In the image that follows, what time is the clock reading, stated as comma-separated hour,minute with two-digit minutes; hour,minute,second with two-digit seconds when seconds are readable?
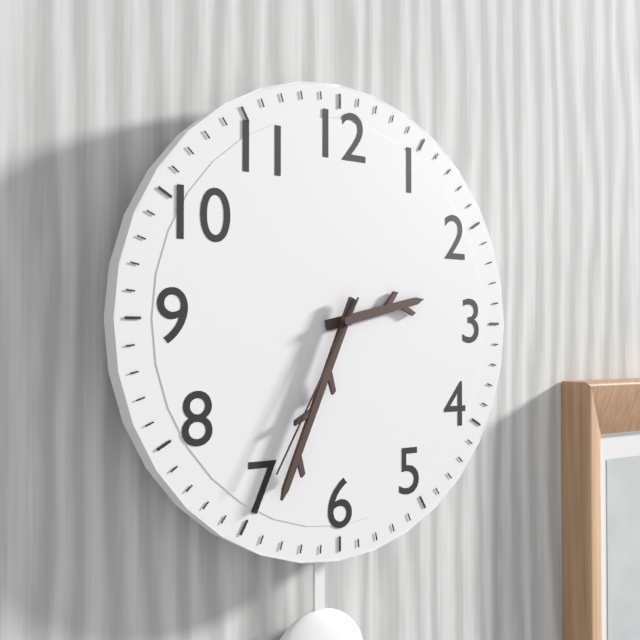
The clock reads 2,34,35
